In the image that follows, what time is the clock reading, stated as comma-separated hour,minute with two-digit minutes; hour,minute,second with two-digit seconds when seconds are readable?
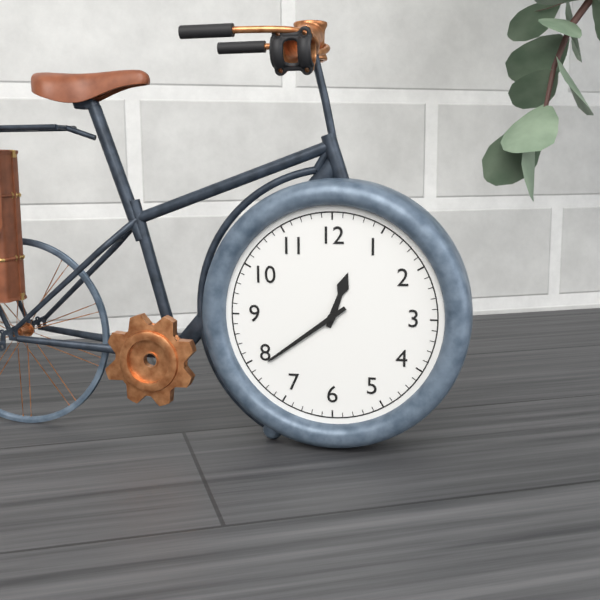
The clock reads 12,39
